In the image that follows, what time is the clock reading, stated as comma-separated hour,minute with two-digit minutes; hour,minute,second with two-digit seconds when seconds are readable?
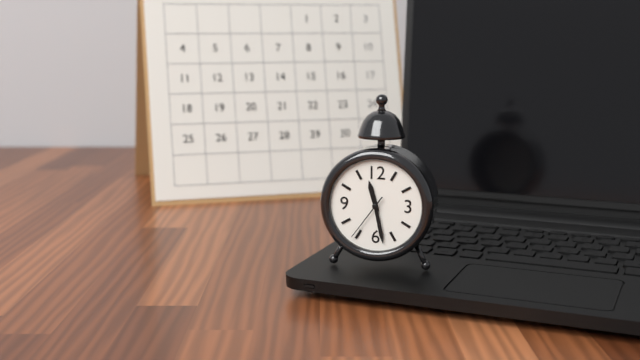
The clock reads 11,28,36
